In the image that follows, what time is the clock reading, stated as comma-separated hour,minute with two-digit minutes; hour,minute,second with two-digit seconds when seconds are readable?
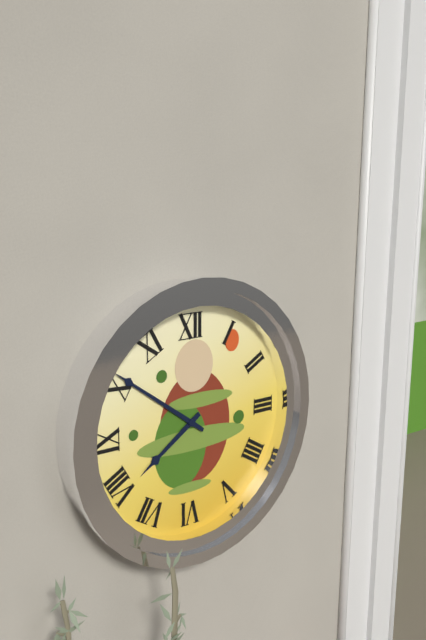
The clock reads 7,51
